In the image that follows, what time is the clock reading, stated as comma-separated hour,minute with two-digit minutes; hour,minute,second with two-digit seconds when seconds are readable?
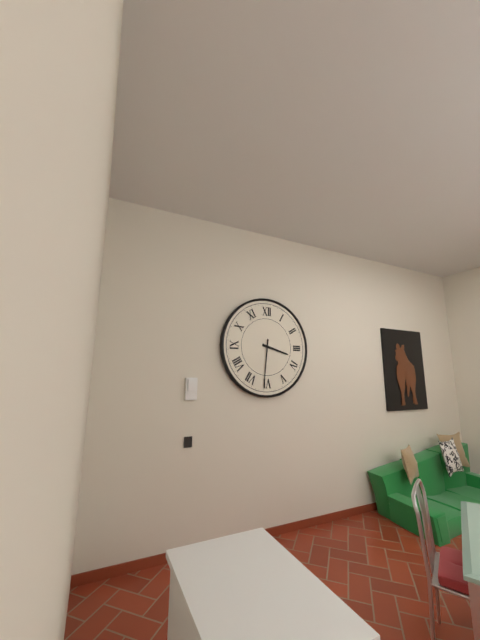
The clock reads 3,31
